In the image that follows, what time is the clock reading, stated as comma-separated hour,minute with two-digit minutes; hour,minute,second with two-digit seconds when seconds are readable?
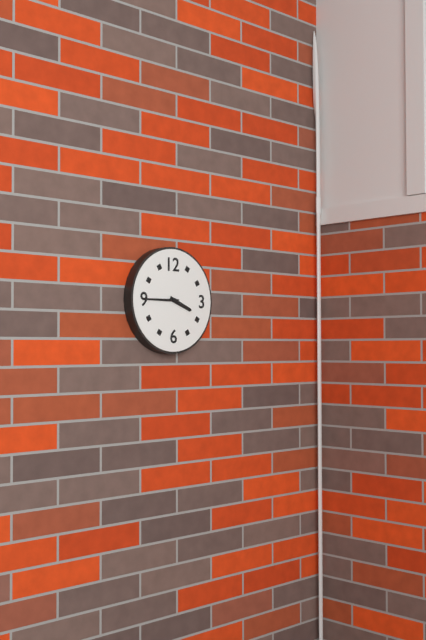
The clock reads 3,45
